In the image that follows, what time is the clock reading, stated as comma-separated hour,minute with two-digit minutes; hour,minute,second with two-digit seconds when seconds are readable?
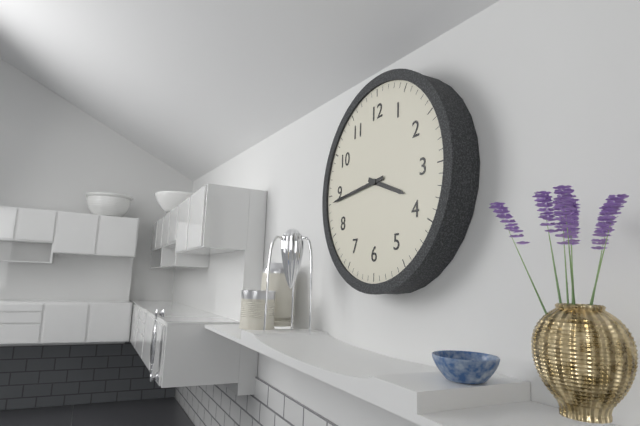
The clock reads 3,44
